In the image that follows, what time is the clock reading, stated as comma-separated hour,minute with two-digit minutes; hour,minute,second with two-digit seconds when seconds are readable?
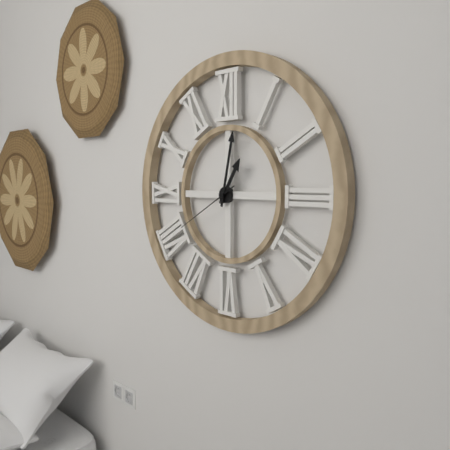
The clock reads 1,02,40
